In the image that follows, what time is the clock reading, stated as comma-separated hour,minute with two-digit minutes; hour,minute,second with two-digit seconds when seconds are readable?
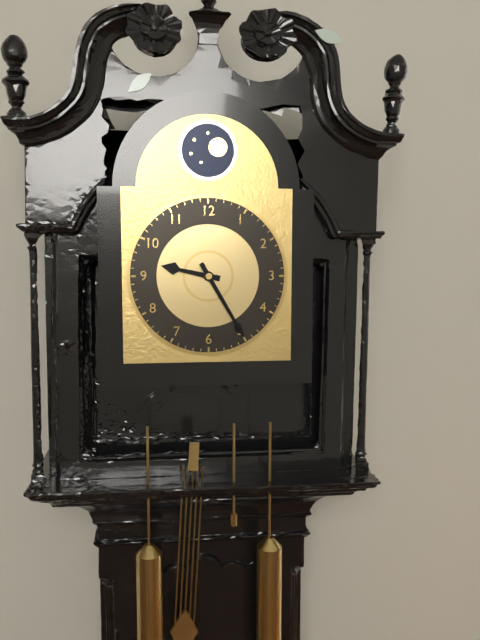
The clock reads 9,25
